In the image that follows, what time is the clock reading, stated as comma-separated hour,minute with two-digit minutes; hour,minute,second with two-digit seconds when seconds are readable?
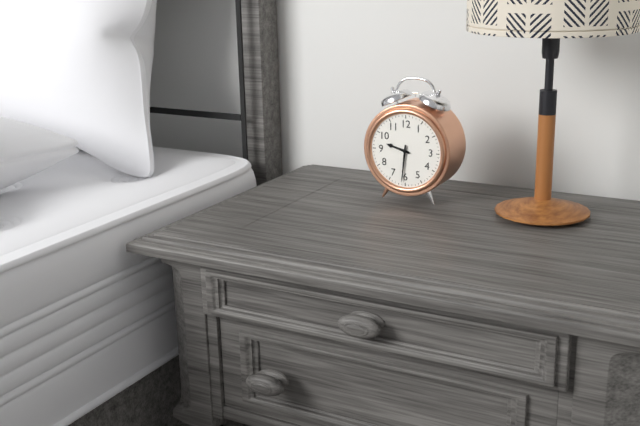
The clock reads 9,31
